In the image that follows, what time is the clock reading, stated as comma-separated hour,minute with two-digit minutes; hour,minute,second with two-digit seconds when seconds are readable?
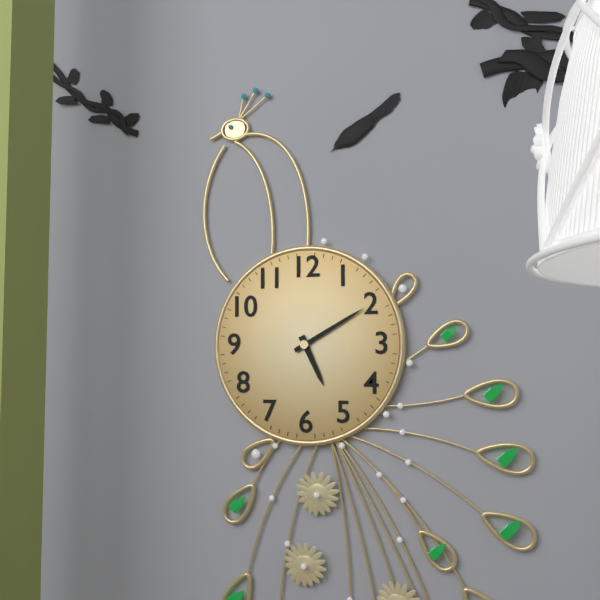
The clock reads 5,10
